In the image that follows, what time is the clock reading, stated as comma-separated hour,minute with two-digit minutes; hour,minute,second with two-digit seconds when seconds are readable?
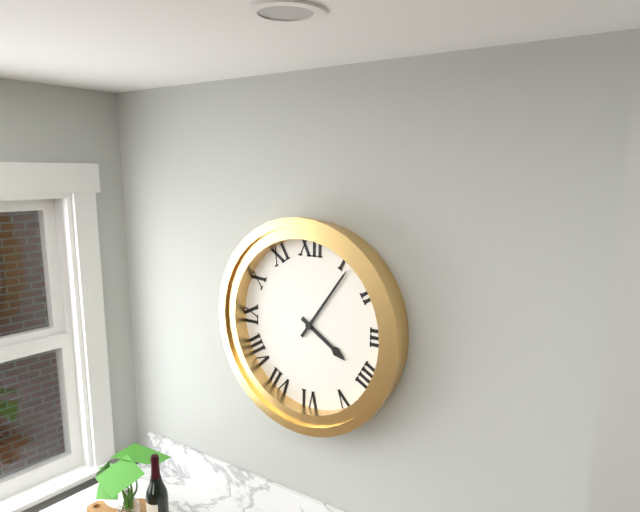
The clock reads 4,06
